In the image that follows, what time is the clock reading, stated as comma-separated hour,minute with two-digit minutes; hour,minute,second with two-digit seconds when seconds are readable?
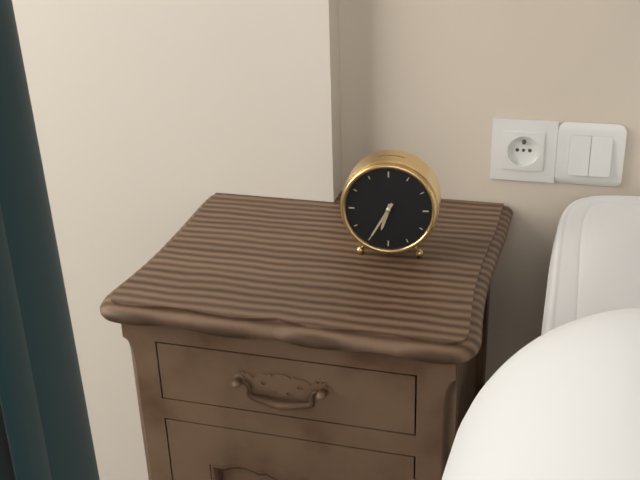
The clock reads 6,35
